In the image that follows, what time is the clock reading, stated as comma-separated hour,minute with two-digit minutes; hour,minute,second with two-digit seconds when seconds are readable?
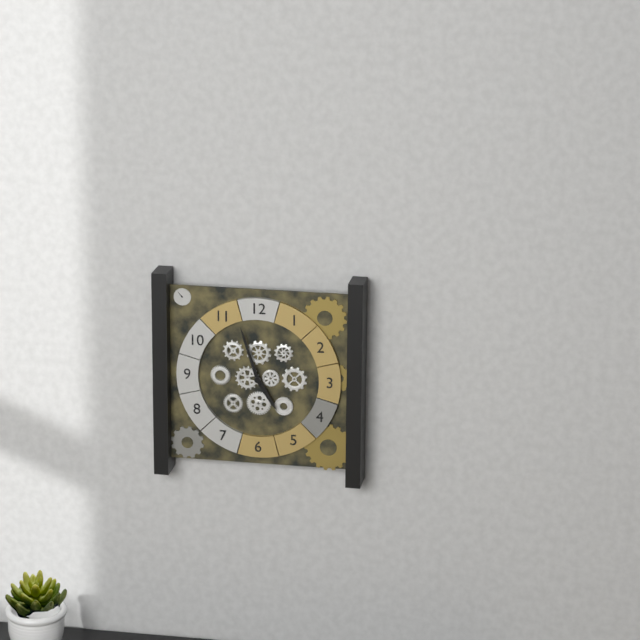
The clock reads 4,57
